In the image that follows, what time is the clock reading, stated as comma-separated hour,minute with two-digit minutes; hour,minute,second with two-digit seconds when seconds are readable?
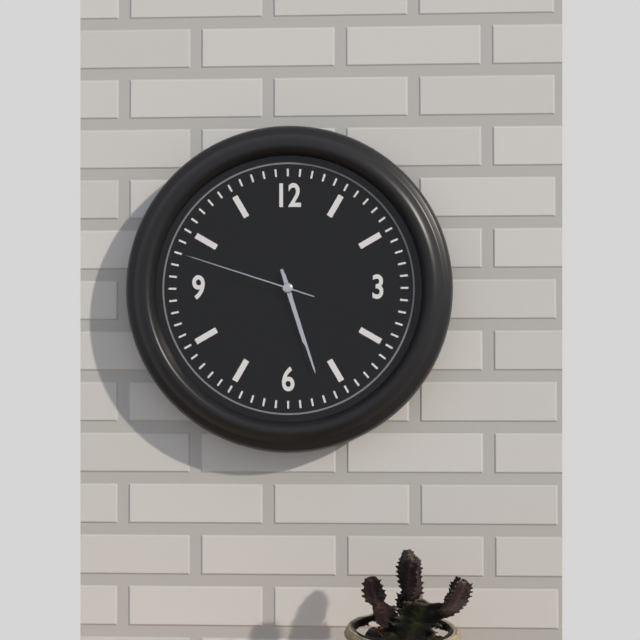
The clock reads 5,27,48
